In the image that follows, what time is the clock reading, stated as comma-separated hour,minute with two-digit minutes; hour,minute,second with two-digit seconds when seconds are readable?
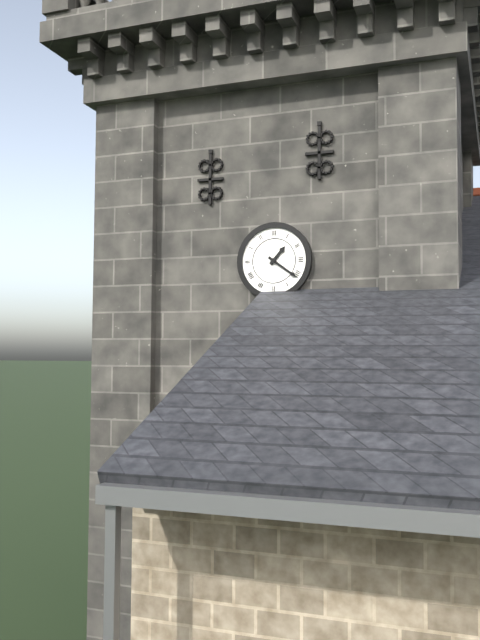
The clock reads 1,21
